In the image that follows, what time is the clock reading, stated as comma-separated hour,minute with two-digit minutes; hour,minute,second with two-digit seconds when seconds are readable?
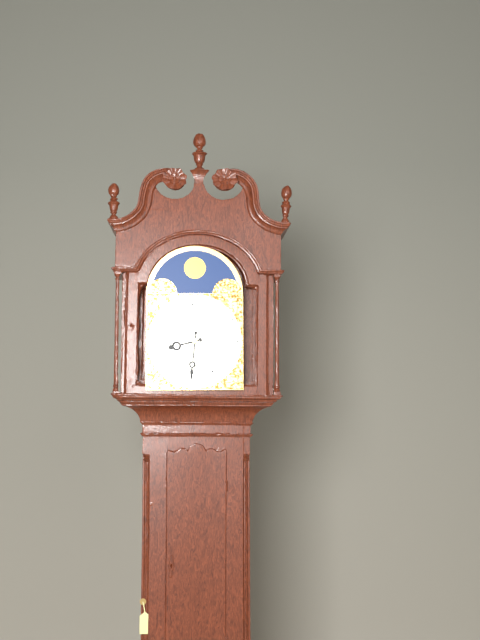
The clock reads 8,31
